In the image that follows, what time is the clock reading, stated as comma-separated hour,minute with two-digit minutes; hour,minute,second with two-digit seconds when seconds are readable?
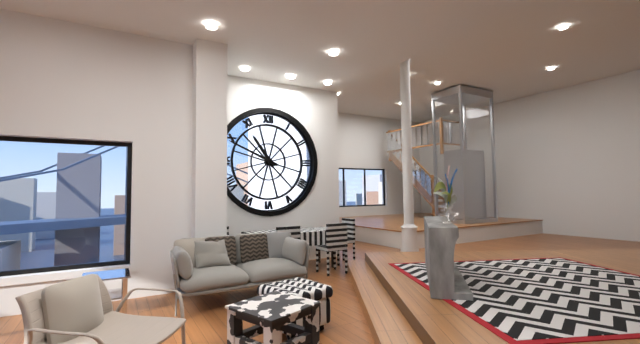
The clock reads 10,49
